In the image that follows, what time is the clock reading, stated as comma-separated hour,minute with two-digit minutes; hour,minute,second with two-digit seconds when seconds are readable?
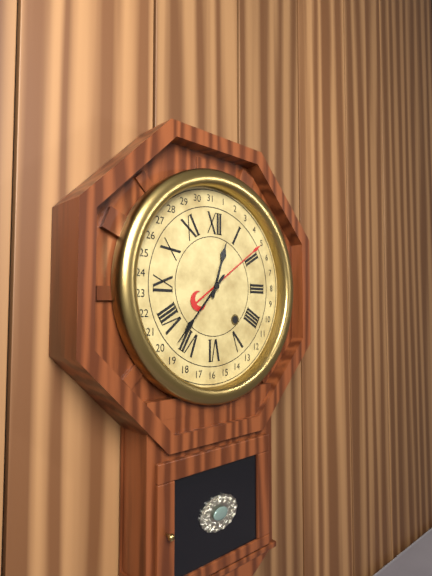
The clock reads 12,37
